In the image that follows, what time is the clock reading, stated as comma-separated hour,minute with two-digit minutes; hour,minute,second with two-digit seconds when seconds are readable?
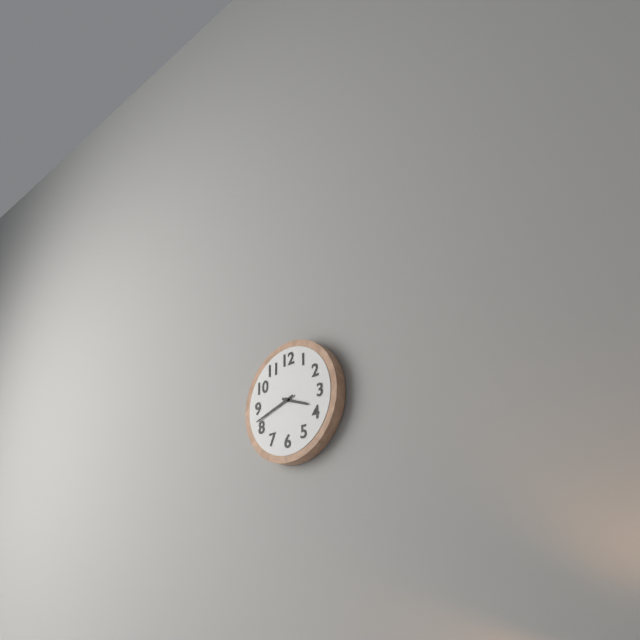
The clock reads 3,42
